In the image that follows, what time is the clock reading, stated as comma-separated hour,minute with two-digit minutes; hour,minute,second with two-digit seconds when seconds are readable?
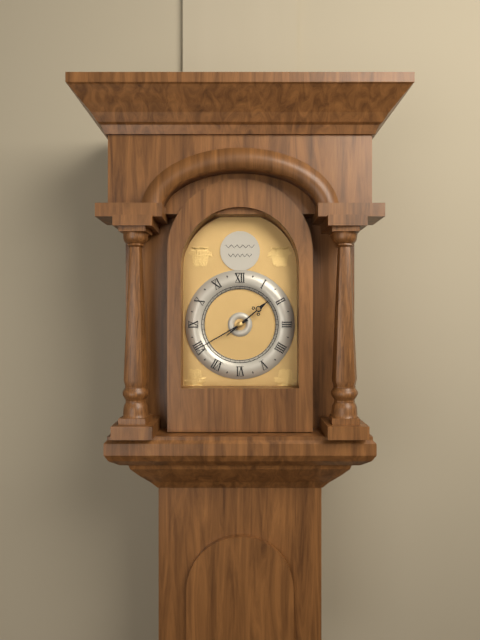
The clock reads 1,40
